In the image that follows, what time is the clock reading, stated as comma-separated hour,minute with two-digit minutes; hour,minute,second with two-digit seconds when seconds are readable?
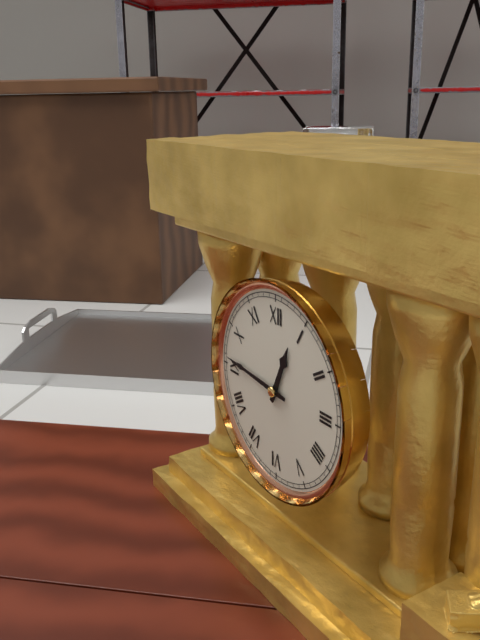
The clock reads 12,46
